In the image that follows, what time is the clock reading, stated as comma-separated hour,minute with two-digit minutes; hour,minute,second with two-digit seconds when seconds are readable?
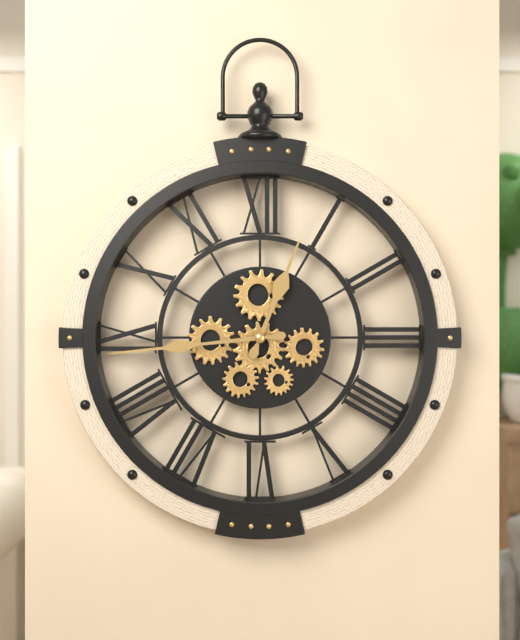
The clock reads 12,44
